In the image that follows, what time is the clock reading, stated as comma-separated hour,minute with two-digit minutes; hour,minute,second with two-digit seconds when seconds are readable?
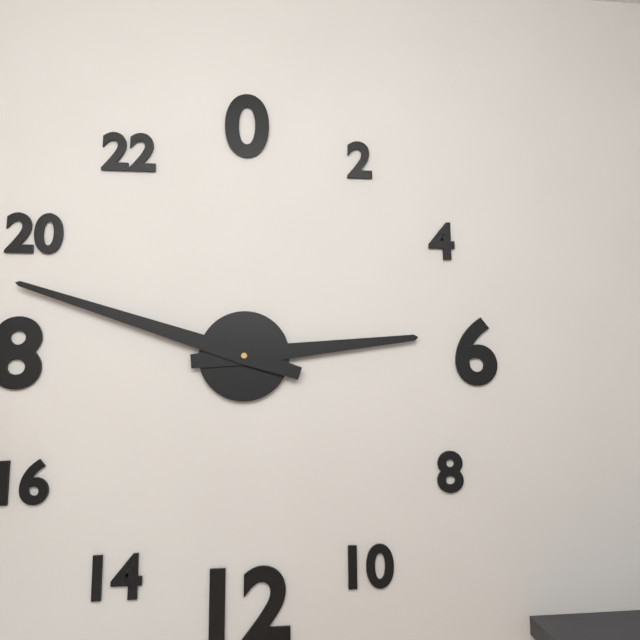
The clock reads 2,48
